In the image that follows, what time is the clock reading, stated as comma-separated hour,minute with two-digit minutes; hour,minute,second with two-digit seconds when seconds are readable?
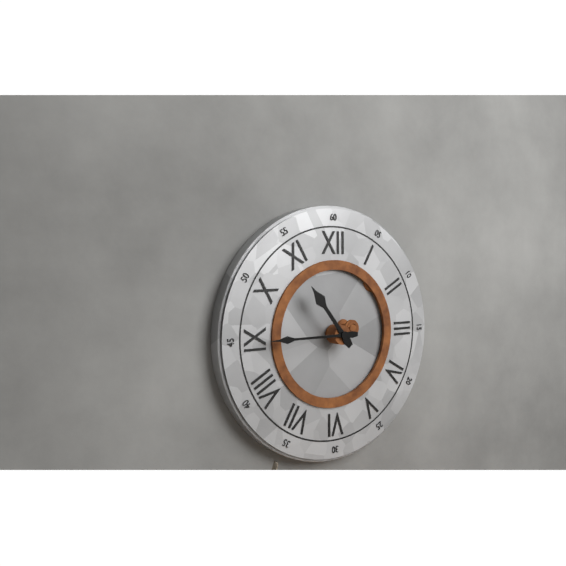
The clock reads 10,45
